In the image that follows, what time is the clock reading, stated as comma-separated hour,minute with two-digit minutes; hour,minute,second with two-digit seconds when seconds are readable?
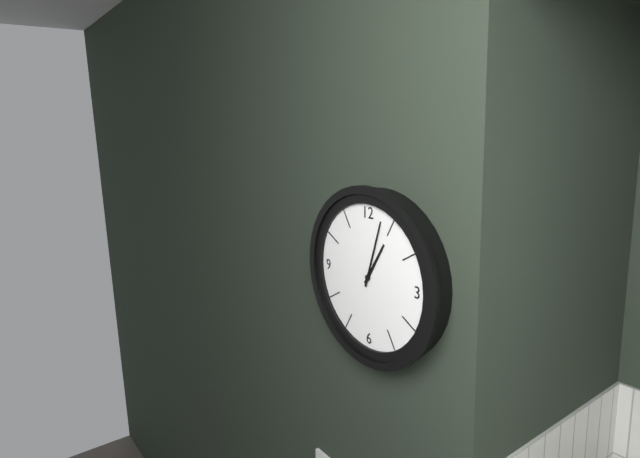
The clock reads 1,03
